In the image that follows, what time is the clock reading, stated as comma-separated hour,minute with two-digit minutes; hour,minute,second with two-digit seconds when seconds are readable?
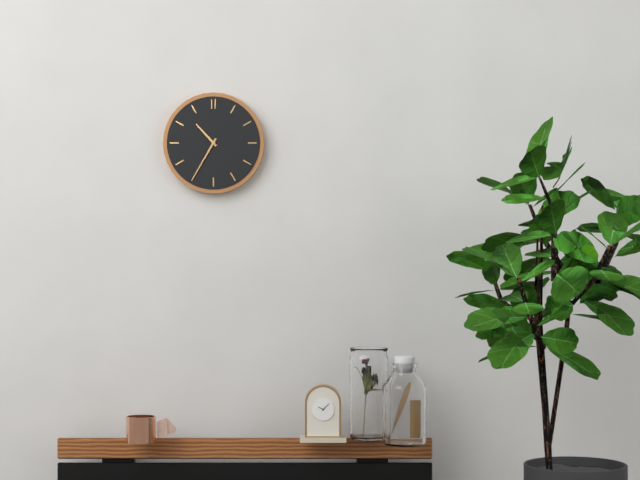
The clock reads 10,35
